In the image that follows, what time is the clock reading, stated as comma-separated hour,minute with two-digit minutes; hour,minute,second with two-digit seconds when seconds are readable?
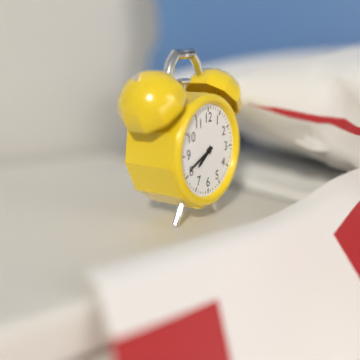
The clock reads 7,41
